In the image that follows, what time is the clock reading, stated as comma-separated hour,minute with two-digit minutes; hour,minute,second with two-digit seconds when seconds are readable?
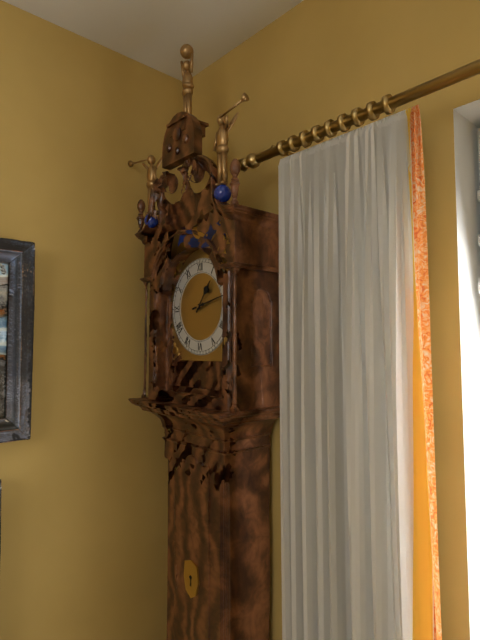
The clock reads 1,13
